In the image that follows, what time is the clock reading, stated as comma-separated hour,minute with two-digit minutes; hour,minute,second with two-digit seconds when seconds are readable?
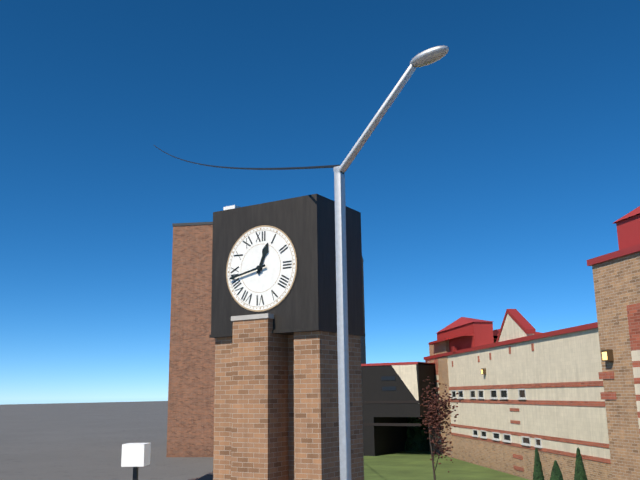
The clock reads 12,43
